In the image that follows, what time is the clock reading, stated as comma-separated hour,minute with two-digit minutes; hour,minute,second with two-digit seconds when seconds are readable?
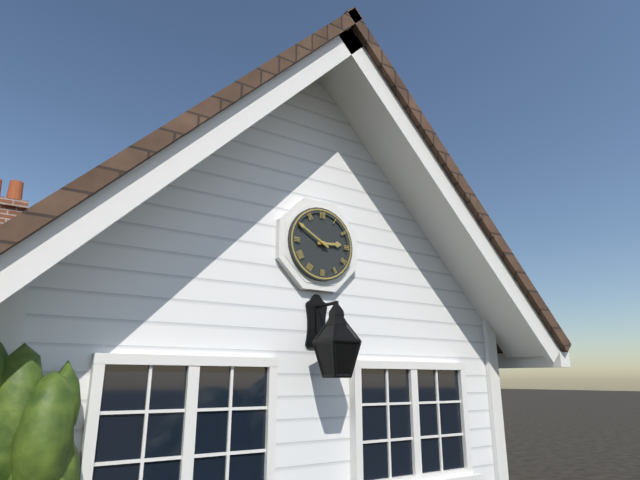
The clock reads 2,50
